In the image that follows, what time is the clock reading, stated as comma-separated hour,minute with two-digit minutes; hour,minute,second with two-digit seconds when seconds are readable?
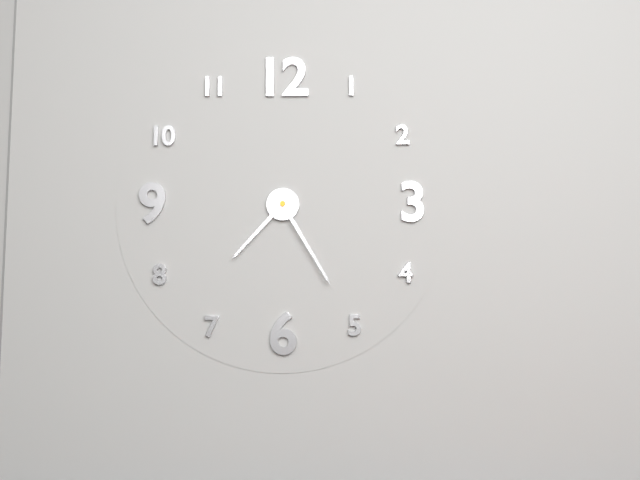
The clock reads 7,25
